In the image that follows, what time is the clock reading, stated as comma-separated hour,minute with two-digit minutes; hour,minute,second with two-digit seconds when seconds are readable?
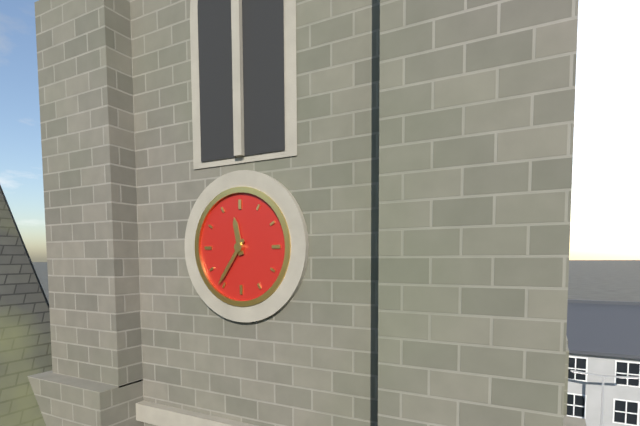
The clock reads 11,36
